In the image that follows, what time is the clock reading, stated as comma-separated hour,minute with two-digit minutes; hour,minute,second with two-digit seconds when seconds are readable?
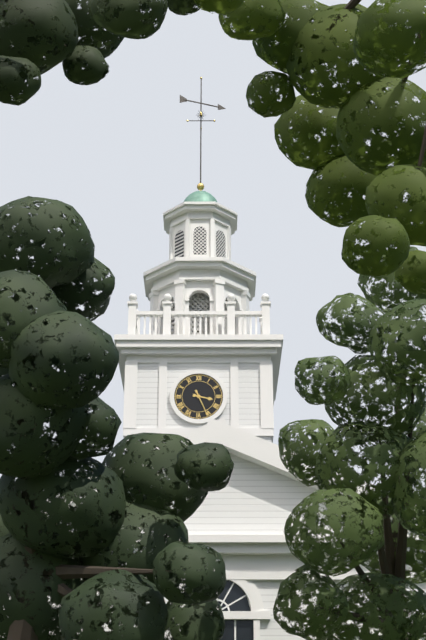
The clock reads 3,26
